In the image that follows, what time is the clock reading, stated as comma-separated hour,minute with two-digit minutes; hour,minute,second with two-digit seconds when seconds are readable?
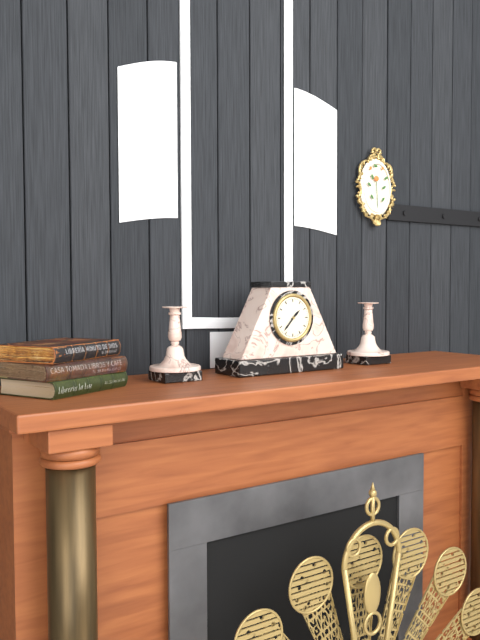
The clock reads 1,37
